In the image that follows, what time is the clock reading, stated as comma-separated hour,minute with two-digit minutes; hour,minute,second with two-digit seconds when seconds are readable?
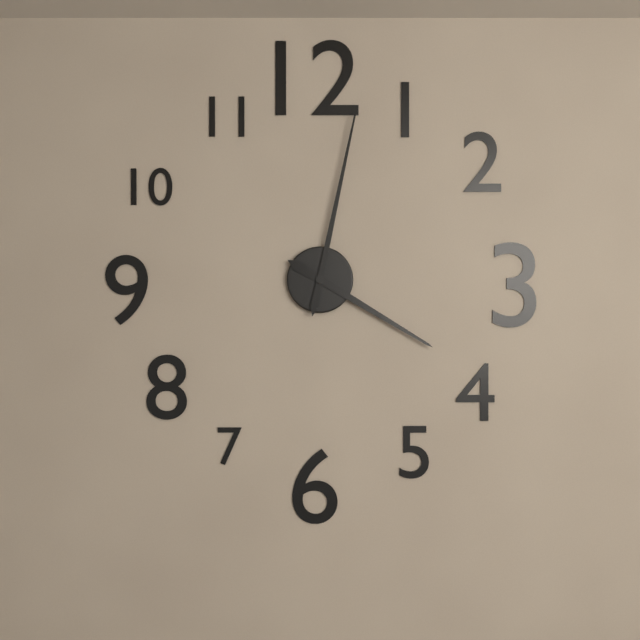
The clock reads 4,02
